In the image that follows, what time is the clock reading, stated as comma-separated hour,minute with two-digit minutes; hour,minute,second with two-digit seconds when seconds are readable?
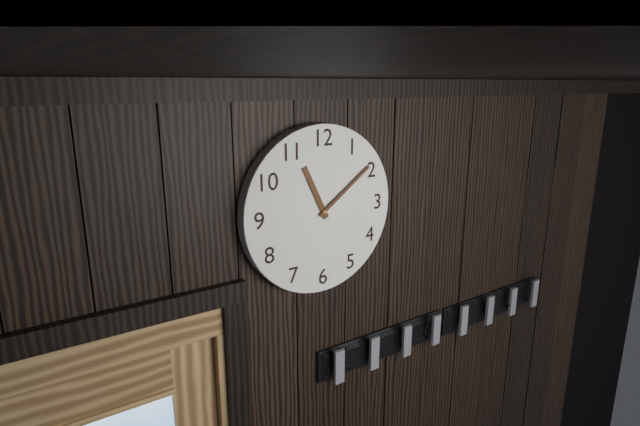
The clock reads 11,09
